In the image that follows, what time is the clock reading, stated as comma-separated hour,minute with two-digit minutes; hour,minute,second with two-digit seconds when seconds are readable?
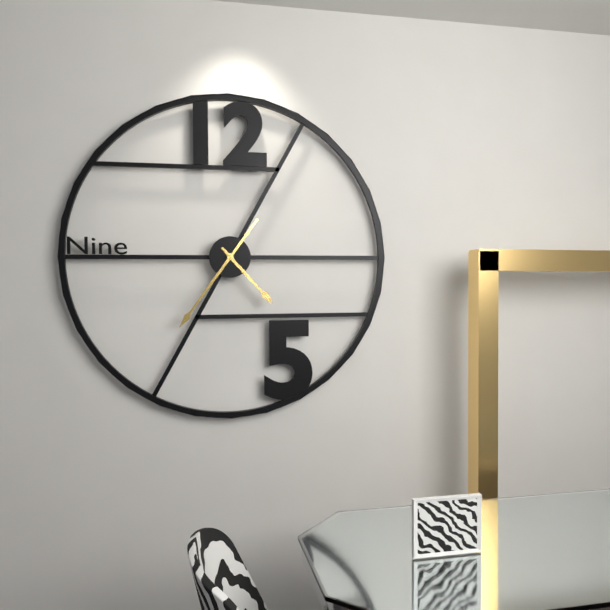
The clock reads 4,36
